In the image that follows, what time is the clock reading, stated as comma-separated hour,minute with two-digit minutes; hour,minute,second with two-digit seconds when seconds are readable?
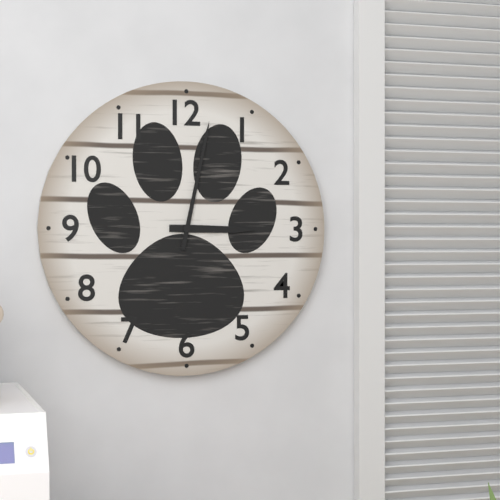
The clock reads 3,02
